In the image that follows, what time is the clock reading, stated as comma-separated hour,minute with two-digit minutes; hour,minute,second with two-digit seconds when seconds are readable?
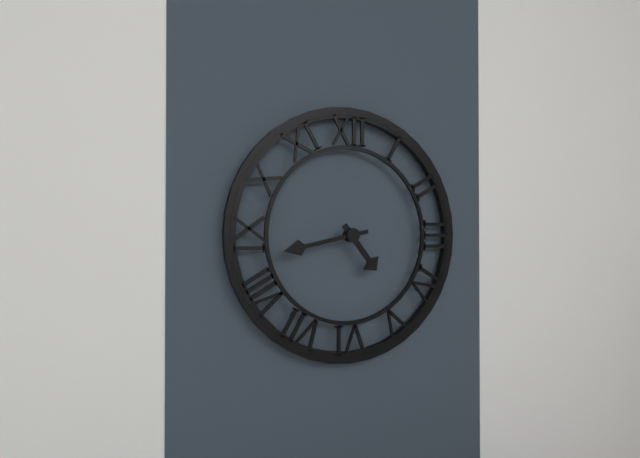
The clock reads 4,43
